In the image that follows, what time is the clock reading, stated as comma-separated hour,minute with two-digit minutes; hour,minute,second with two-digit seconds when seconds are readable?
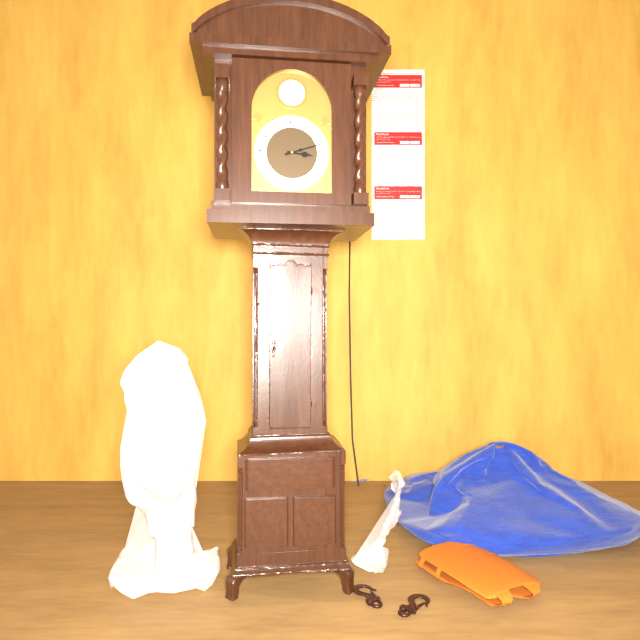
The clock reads 3,12
